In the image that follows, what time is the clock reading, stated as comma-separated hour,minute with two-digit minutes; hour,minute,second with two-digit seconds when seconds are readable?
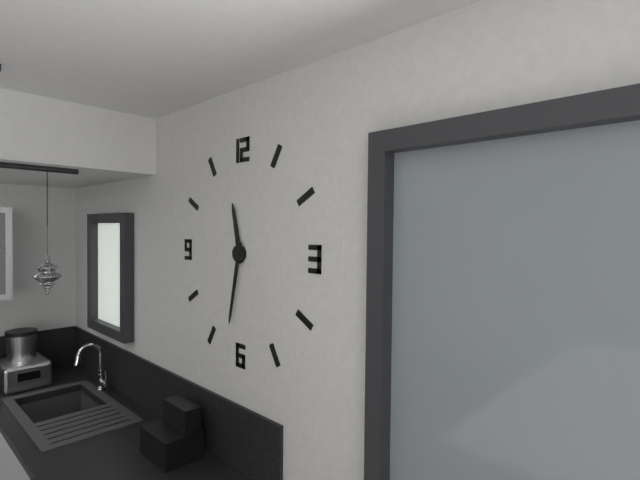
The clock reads 11,32
